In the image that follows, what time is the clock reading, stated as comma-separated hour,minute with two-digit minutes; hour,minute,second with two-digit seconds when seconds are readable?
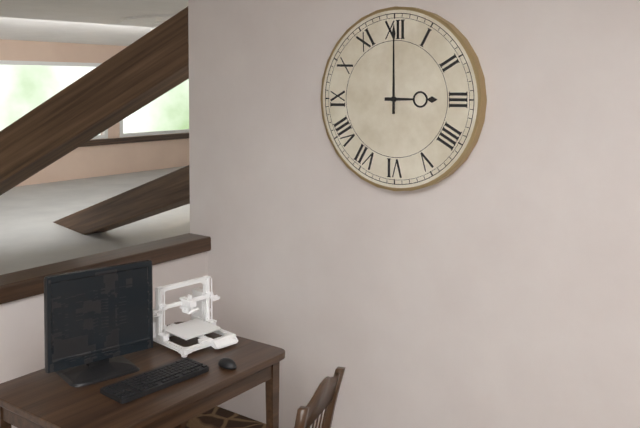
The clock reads 3,00
